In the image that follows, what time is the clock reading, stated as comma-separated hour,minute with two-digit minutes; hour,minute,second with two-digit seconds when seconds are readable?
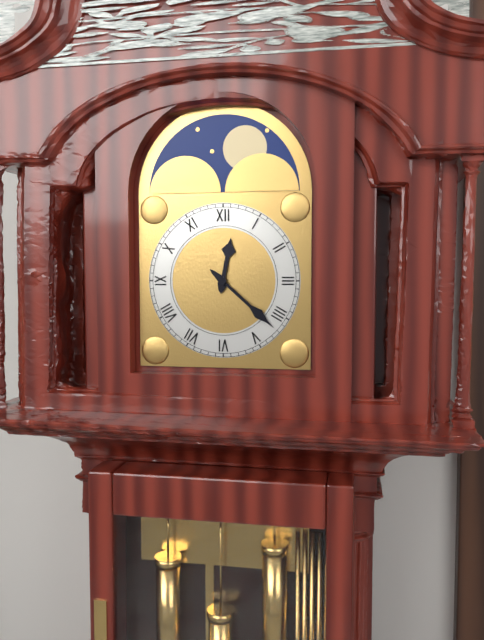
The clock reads 12,22
